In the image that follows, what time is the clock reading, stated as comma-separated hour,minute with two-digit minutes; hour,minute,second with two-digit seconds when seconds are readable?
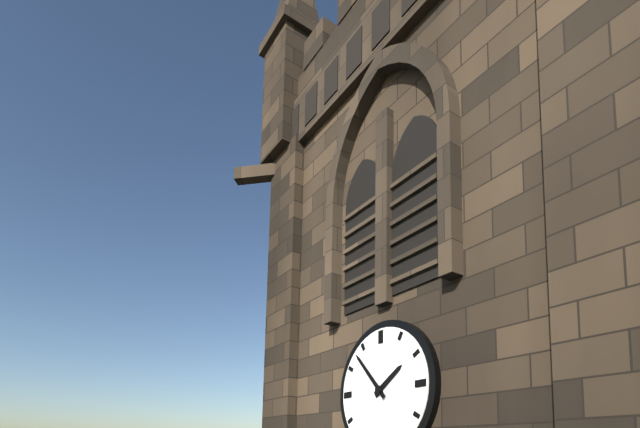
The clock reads 1,53
